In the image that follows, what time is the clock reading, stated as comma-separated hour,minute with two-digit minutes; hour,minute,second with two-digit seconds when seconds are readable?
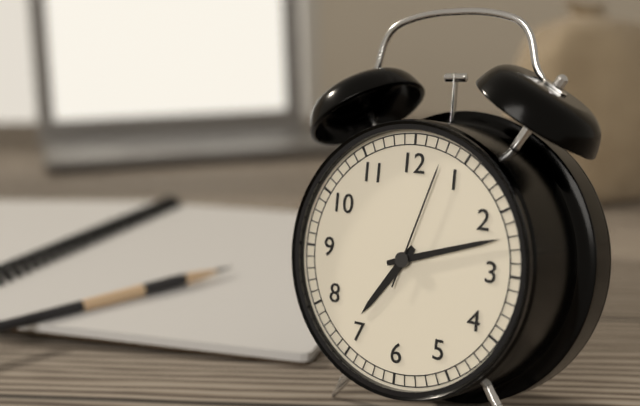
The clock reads 7,12,03
